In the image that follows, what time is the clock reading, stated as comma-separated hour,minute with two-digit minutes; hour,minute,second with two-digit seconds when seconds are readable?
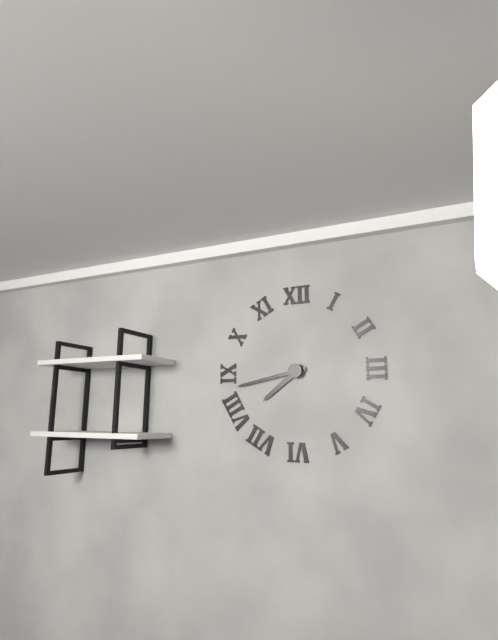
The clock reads 7,43
